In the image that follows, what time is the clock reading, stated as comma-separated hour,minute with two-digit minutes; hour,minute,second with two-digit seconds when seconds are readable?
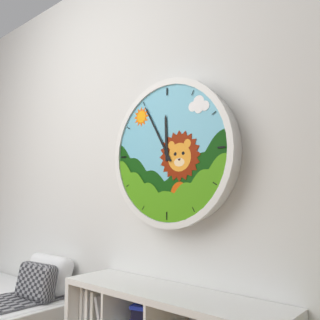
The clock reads 11,55
